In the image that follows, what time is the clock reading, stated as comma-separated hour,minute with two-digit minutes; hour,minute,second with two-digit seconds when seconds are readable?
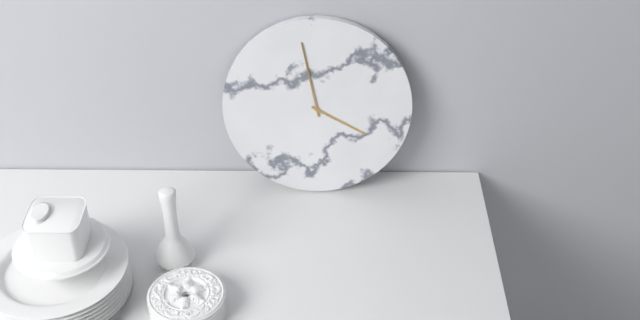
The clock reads 3,58
